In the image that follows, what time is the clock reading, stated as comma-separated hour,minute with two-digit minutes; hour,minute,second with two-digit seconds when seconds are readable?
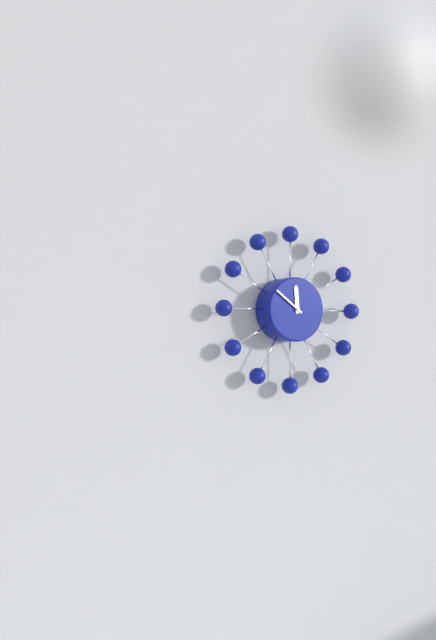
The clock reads 11,51
